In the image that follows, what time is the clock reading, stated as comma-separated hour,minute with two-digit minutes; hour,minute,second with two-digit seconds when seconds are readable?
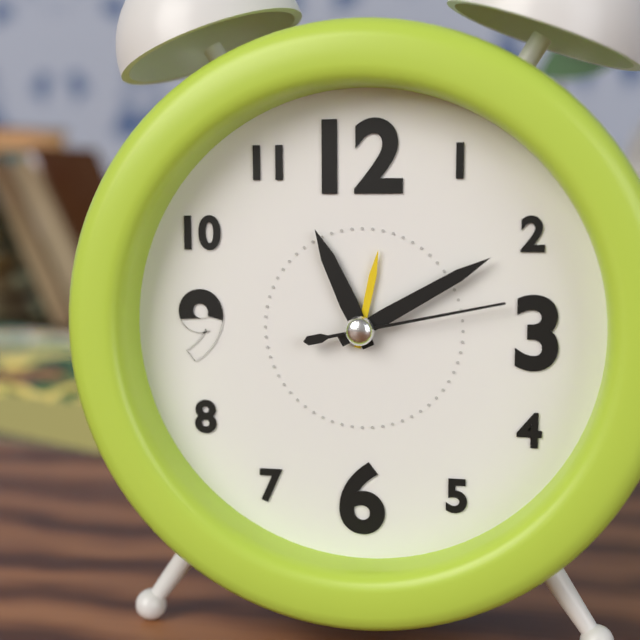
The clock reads 11,10,13
